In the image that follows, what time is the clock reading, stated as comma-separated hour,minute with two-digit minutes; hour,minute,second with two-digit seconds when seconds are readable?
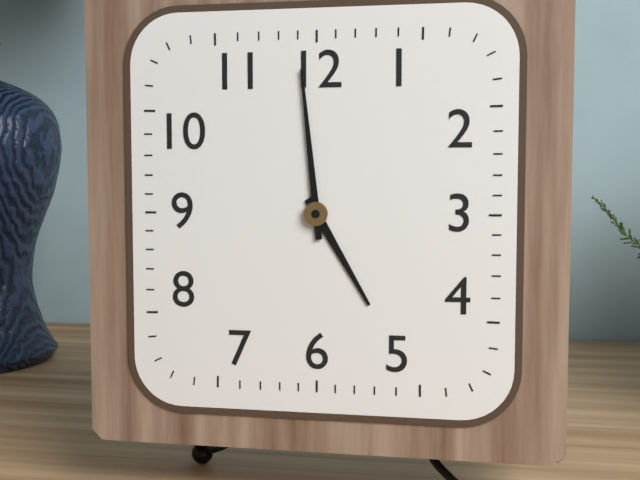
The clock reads 4,59
